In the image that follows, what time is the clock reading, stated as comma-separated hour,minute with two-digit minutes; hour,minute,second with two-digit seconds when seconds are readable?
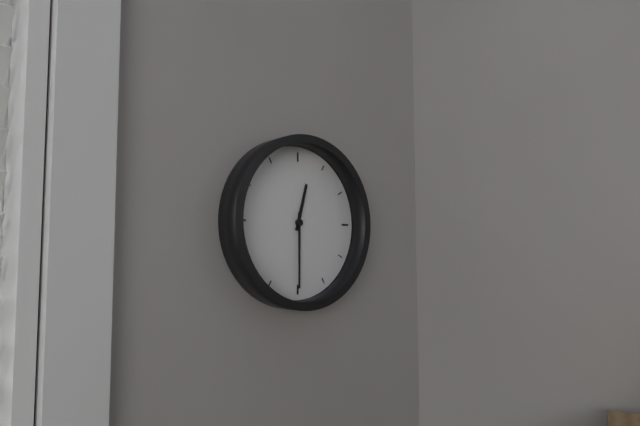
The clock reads 12,30
